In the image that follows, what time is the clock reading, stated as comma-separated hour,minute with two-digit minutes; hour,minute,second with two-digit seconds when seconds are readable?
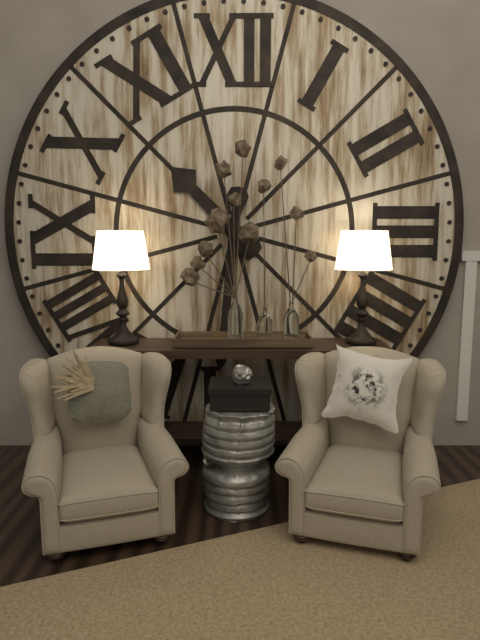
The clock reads 10,31
